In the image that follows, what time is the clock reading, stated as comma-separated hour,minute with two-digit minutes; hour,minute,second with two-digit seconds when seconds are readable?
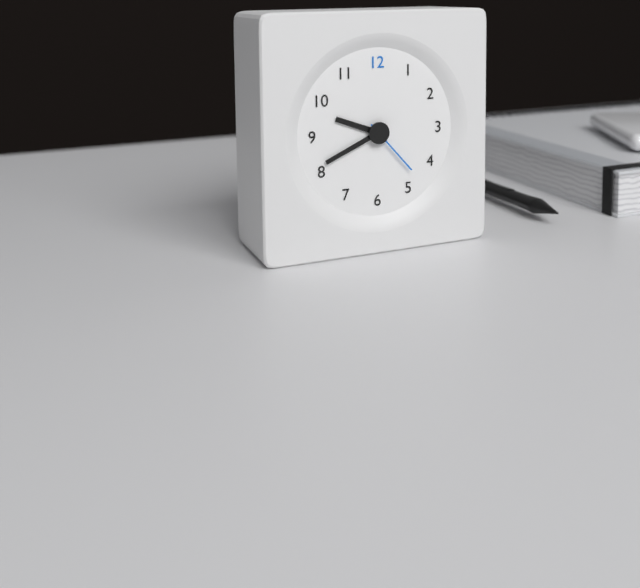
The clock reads 9,41,23
